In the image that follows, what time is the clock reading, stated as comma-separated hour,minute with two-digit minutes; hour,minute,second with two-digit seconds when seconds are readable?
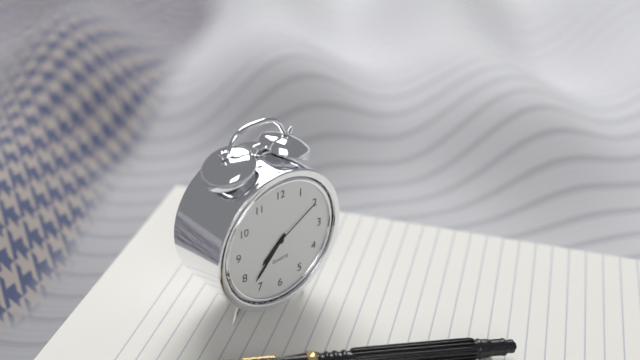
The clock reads 7,37,10
